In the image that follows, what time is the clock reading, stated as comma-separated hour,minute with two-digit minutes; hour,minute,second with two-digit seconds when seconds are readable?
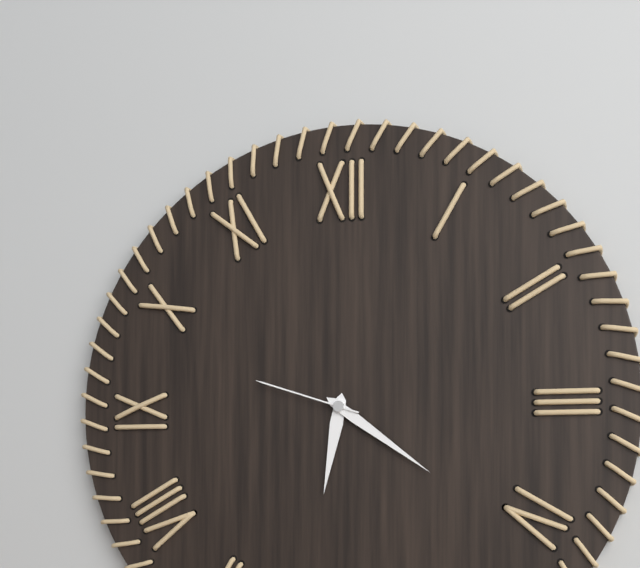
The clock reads 6,21,48
